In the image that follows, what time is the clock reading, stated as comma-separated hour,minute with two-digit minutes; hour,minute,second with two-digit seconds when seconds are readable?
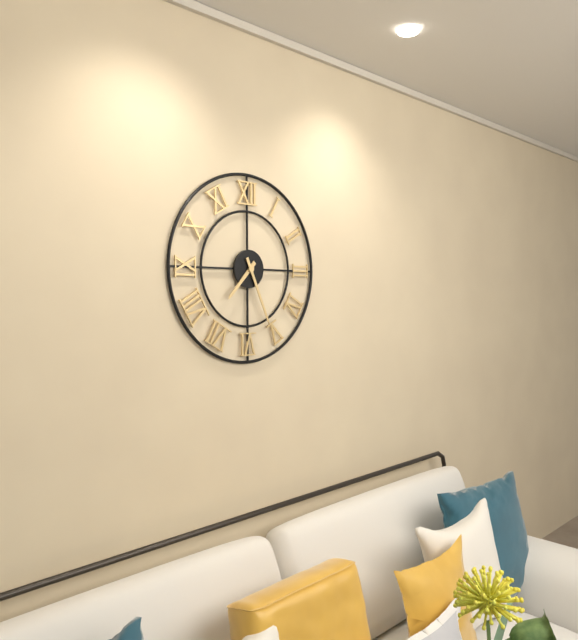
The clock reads 7,26
